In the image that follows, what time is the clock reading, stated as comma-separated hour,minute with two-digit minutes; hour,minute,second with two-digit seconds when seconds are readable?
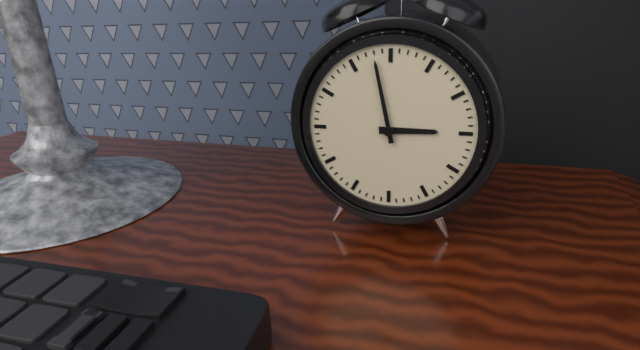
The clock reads 2,58
